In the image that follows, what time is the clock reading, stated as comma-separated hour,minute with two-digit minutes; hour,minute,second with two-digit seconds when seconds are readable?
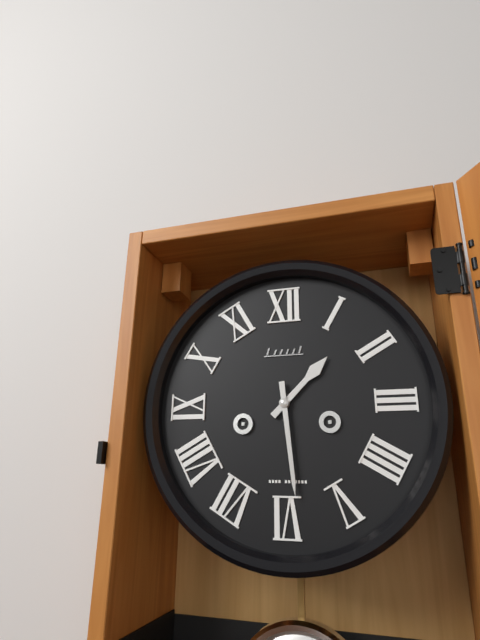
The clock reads 1,29
